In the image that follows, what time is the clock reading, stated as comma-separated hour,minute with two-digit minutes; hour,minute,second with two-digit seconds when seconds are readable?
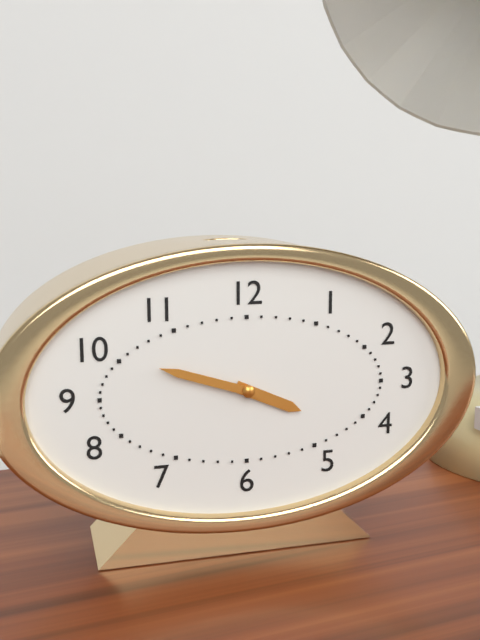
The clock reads 3,48
